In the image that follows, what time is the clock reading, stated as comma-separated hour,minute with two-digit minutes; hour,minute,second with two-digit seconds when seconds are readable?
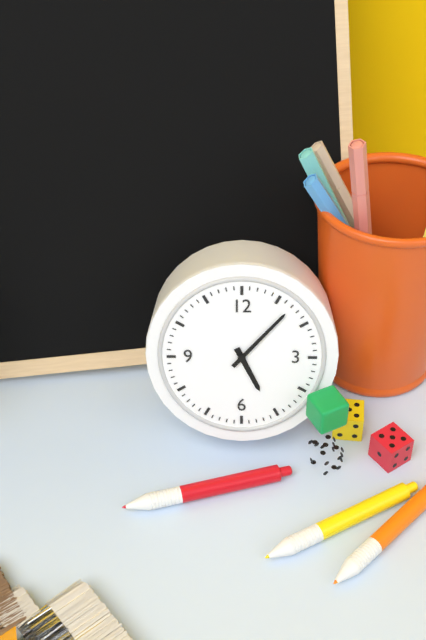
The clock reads 5,07
